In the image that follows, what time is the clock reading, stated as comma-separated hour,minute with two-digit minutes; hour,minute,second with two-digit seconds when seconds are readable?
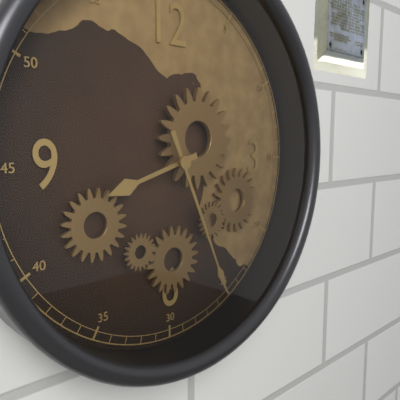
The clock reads 8,26
